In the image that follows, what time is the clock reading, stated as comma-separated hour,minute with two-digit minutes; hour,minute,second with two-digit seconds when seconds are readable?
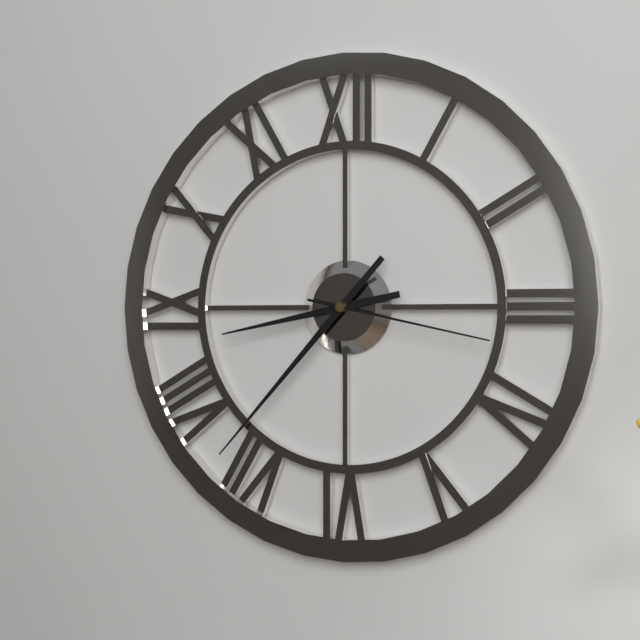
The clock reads 8,37,17
